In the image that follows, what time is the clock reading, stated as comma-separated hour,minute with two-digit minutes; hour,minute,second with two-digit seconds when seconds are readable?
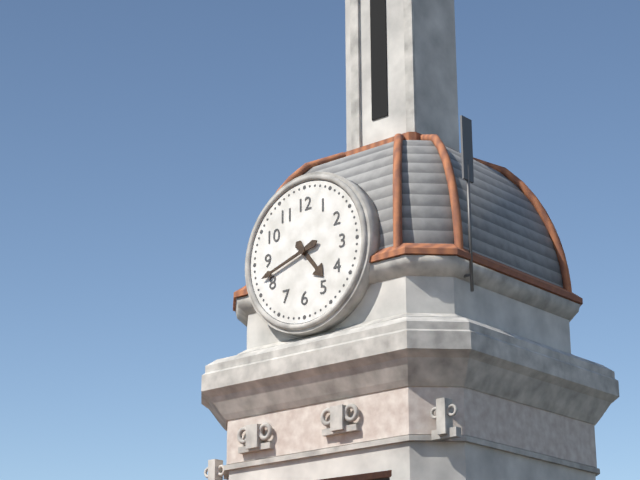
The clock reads 4,42
